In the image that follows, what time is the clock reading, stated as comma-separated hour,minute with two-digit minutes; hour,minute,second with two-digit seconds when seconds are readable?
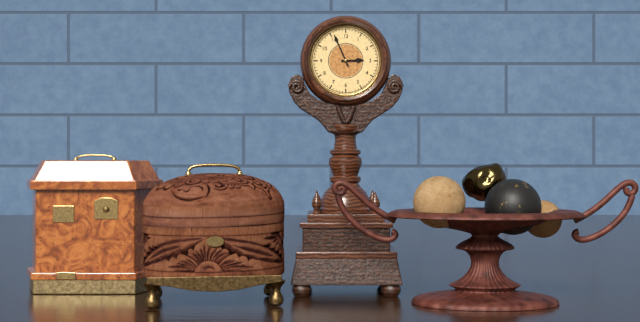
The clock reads 2,56
